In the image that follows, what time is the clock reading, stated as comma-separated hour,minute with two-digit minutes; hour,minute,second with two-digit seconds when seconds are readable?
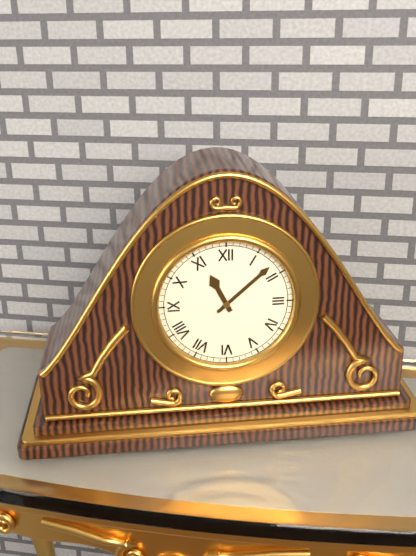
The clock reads 11,08
